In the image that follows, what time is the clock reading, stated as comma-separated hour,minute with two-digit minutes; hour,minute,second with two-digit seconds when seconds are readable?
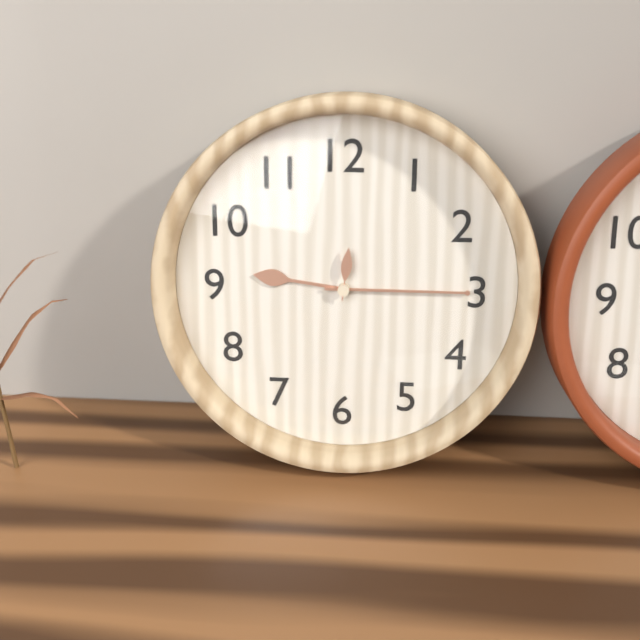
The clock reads 9,15,01
